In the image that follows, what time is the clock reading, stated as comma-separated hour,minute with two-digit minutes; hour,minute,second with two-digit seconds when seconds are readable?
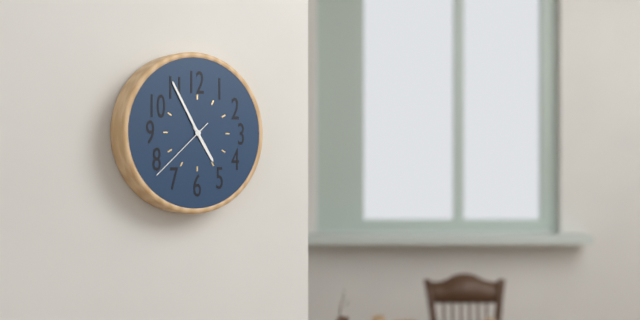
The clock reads 4,55,38
